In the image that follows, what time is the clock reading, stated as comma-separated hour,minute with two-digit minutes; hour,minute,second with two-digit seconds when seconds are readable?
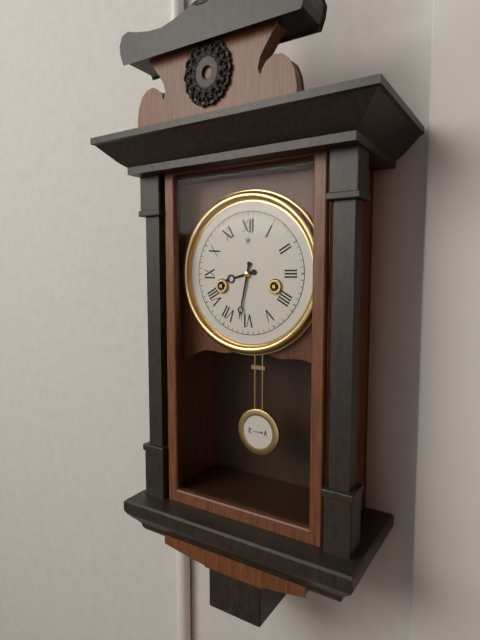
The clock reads 8,32
